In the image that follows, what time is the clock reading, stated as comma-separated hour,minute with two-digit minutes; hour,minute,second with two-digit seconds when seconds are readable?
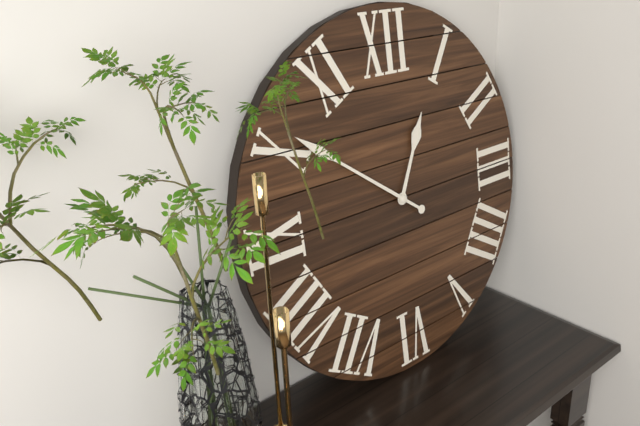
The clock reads 12,51
